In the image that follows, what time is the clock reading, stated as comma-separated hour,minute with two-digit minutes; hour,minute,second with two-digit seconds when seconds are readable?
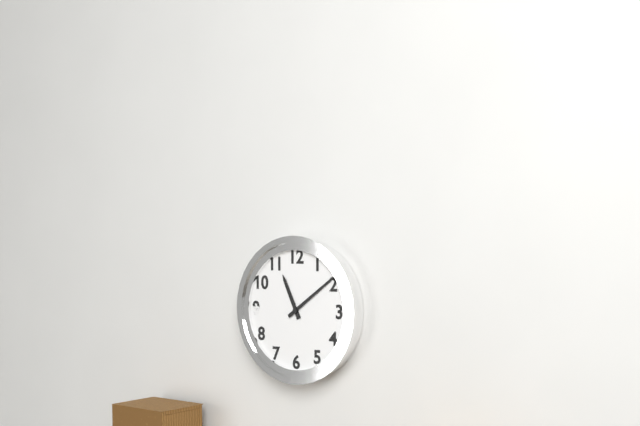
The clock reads 11,09
